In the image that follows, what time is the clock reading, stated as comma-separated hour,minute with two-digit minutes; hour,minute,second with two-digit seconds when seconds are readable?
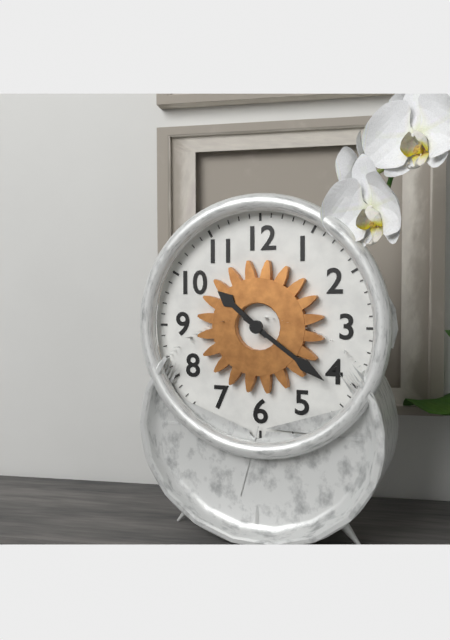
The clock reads 10,21
